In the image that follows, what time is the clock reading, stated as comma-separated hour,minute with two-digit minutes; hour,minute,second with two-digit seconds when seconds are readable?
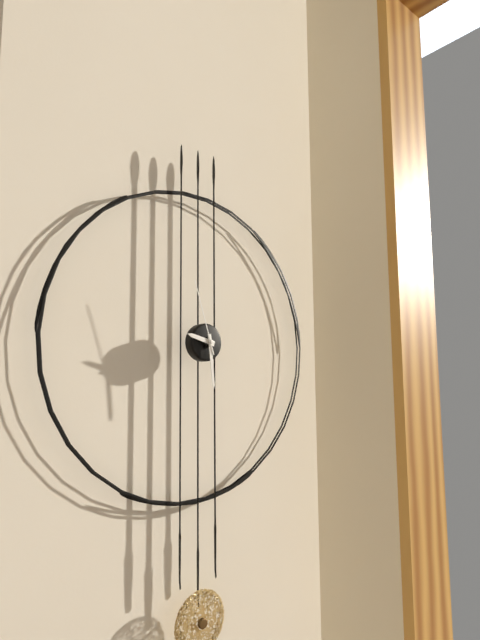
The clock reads 9,29,57
